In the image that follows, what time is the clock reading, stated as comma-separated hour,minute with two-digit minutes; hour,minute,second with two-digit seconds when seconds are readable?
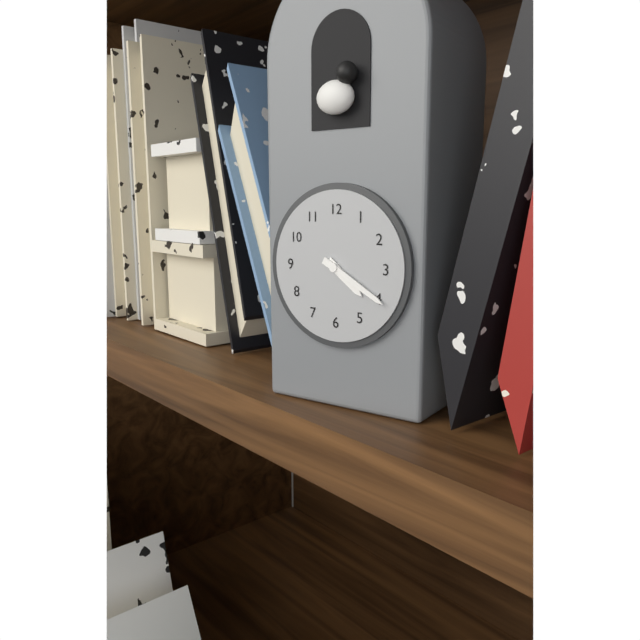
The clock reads 4,20
